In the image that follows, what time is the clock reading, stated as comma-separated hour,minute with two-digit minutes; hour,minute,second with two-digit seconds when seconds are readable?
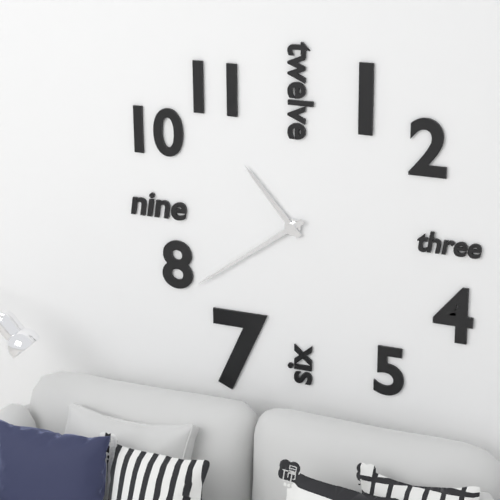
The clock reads 10,39
